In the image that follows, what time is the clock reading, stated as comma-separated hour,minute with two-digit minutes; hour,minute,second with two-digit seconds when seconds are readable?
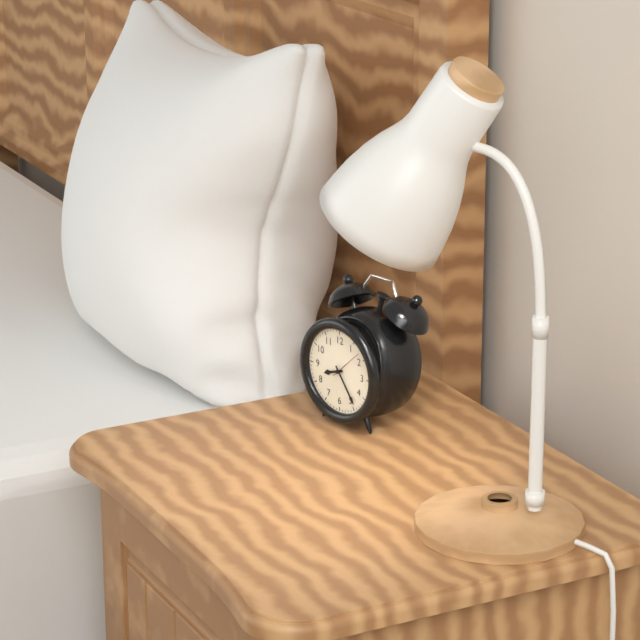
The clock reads 8,24
